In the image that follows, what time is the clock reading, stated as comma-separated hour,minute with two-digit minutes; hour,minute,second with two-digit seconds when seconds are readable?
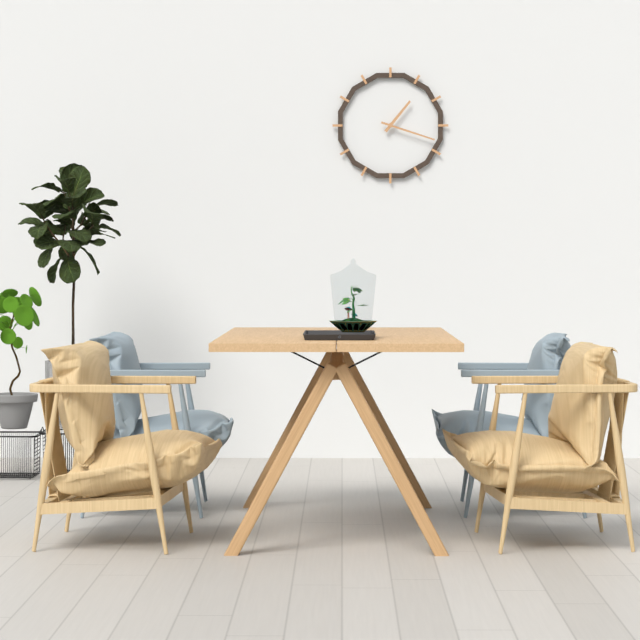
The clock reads 1,18
